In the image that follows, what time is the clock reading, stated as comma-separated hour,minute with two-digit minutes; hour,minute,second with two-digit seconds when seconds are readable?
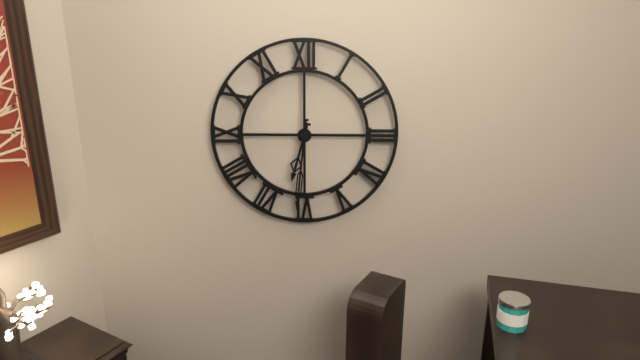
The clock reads 6,31
